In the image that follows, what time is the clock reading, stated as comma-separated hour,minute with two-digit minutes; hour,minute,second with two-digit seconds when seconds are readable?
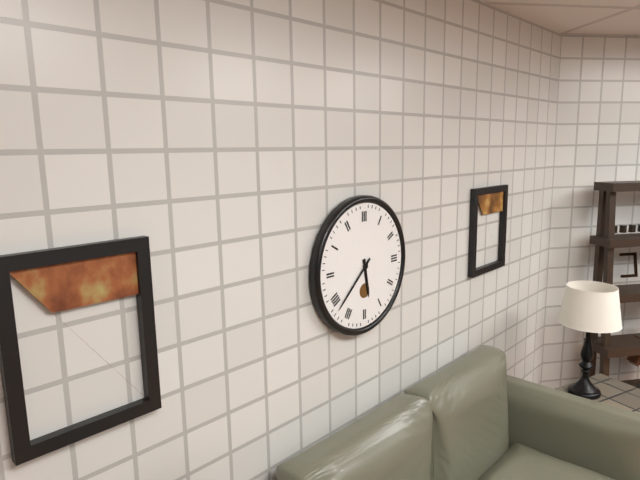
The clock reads 5,38
